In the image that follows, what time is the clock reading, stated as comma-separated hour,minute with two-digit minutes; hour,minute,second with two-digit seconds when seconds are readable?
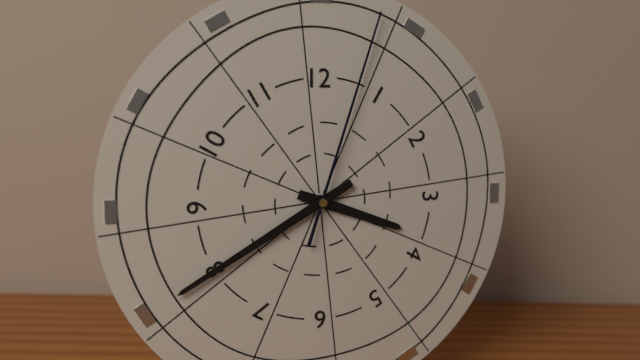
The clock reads 3,40,03
